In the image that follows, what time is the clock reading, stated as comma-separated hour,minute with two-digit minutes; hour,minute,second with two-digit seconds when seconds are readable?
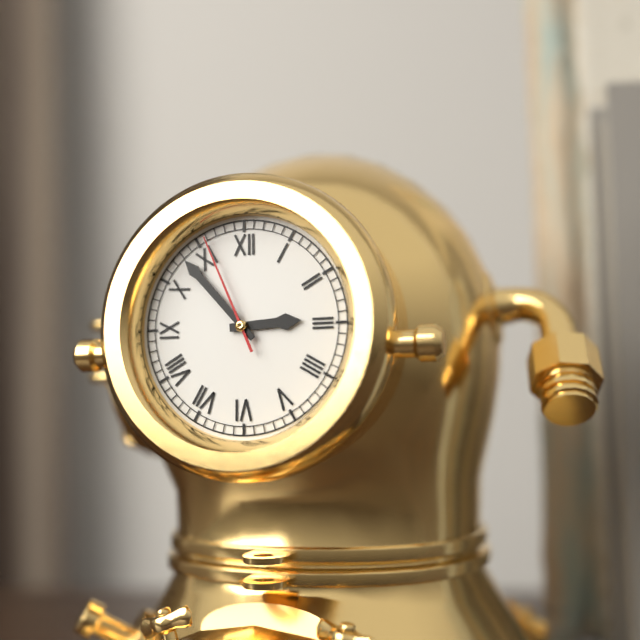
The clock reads 2,53,56
